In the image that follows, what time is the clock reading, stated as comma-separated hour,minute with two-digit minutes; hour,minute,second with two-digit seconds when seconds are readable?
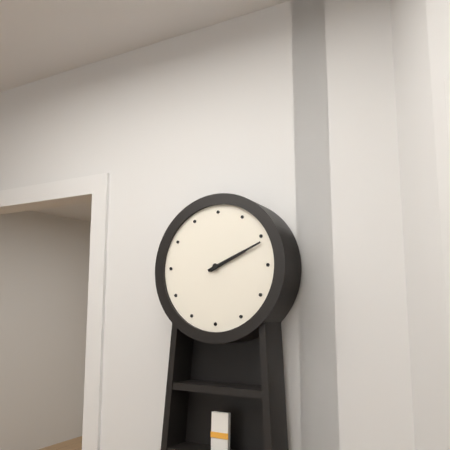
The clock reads 2,11
